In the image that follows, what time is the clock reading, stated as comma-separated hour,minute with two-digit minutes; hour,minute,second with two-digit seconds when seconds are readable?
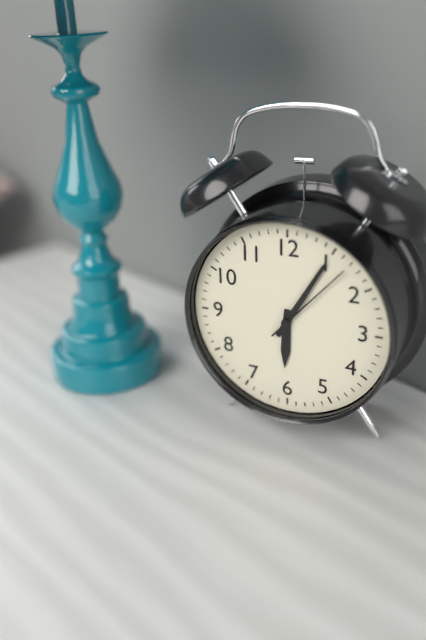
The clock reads 6,05,07
